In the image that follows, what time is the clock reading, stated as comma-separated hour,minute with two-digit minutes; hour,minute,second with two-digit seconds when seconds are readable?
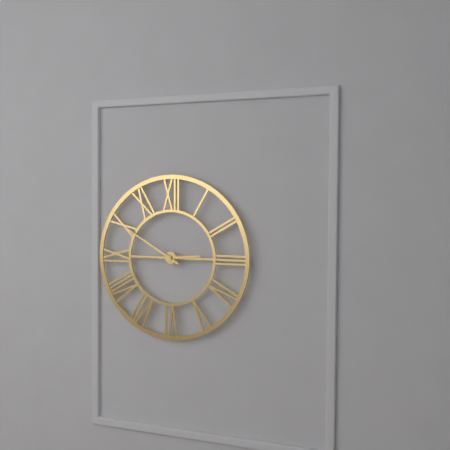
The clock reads 2,50
